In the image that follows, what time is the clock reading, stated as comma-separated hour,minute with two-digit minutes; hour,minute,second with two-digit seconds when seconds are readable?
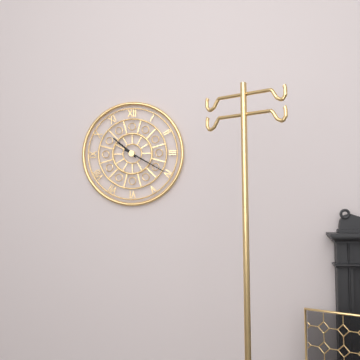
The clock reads 10,20
